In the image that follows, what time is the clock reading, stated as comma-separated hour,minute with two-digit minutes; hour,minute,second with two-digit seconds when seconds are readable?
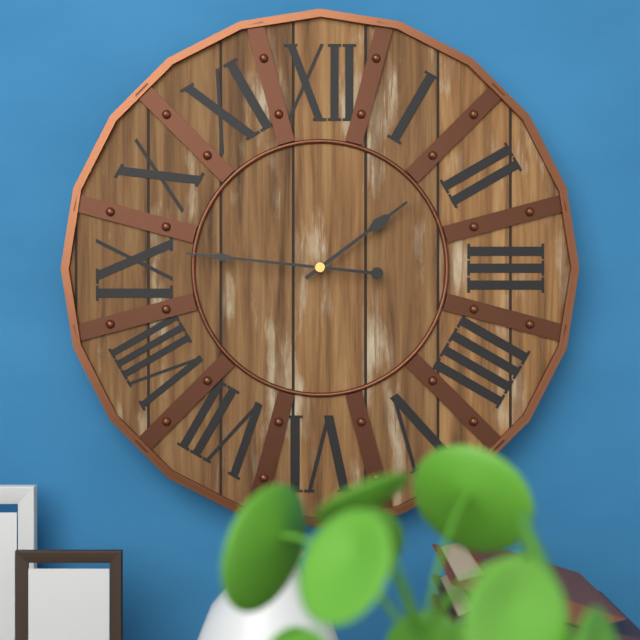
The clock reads 1,46
